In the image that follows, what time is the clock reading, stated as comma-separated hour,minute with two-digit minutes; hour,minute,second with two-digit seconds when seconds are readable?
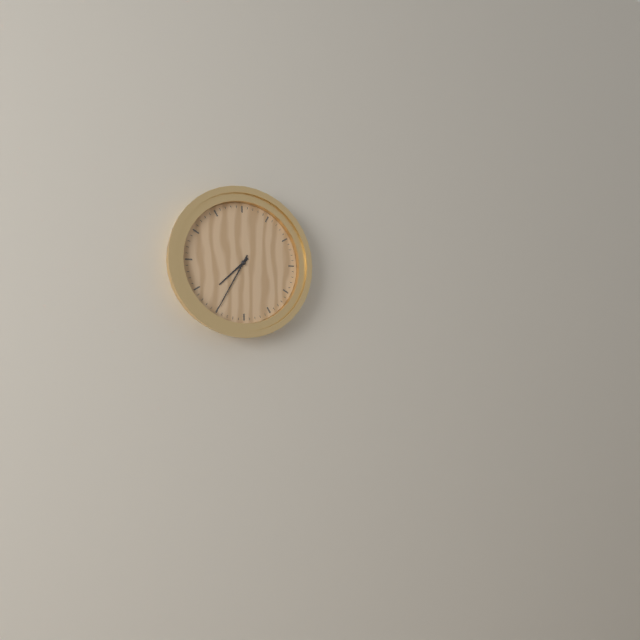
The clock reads 7,35
